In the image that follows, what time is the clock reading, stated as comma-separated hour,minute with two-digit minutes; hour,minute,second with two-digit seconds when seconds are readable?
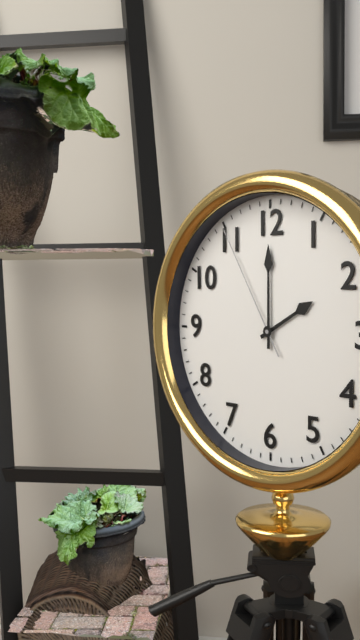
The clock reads 2,00,55
